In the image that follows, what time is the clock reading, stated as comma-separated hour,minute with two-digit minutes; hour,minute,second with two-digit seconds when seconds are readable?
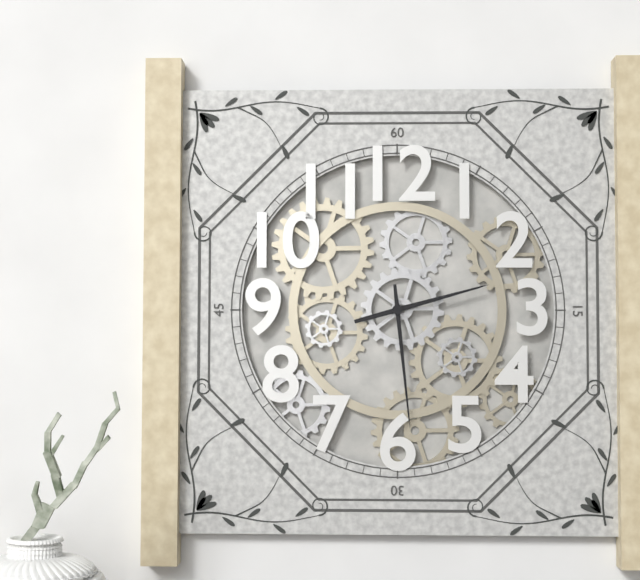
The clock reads 2,29
